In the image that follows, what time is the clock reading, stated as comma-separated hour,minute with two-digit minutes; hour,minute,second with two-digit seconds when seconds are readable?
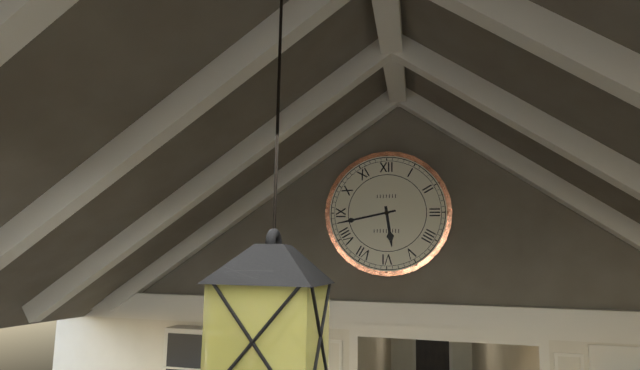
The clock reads 5,43
